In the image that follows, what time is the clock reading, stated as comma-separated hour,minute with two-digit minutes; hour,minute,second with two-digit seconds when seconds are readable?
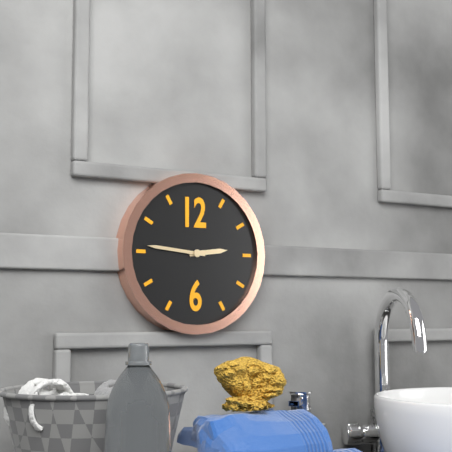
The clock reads 2,46
